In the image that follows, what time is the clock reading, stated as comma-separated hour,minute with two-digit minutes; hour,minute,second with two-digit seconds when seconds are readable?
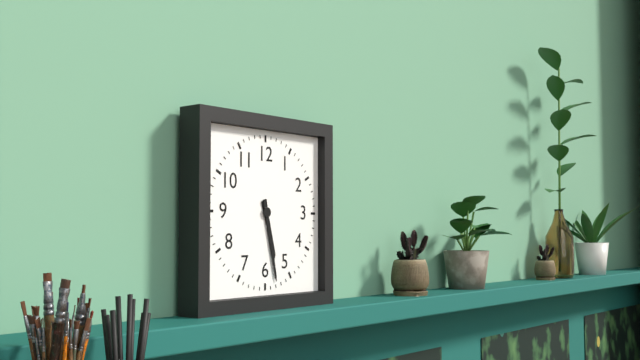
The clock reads 5,28
